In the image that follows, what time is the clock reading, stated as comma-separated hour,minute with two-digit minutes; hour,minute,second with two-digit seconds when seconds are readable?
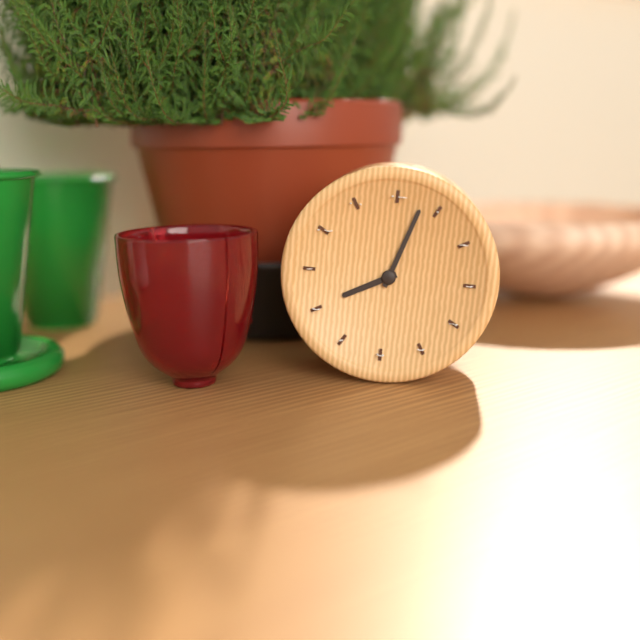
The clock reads 8,03
